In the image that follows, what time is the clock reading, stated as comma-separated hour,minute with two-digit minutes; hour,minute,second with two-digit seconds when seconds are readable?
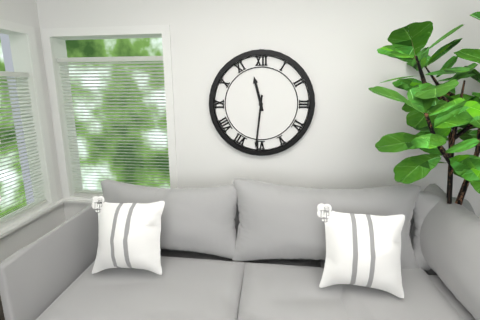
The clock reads 11,31
